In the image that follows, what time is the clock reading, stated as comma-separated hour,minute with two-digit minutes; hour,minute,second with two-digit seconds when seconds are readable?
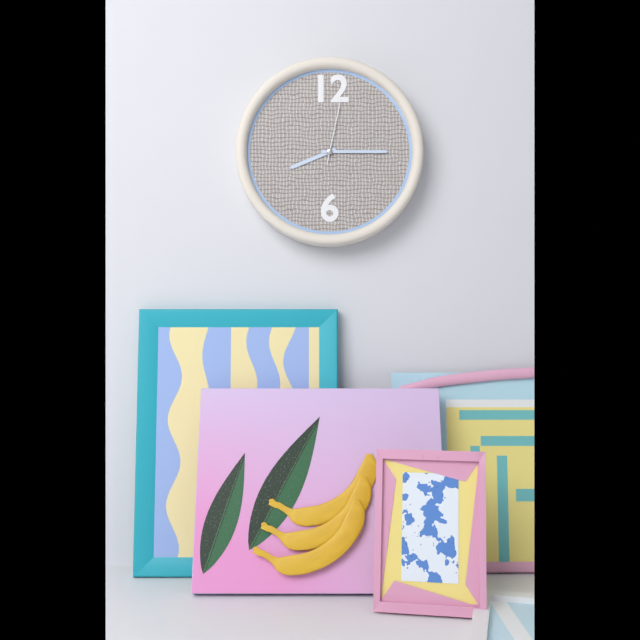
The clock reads 8,15,02
